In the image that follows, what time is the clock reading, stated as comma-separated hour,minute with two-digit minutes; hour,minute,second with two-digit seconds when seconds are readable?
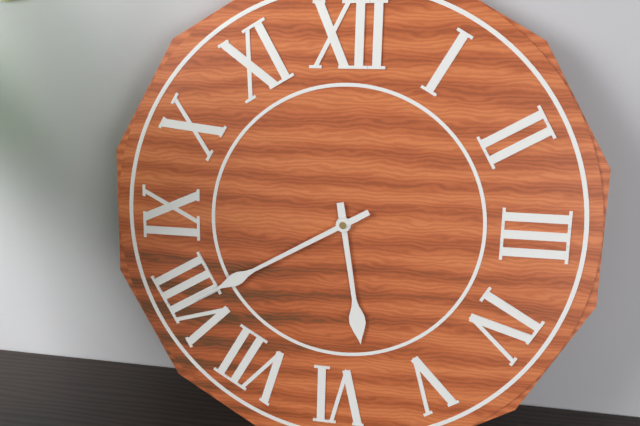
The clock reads 5,40
